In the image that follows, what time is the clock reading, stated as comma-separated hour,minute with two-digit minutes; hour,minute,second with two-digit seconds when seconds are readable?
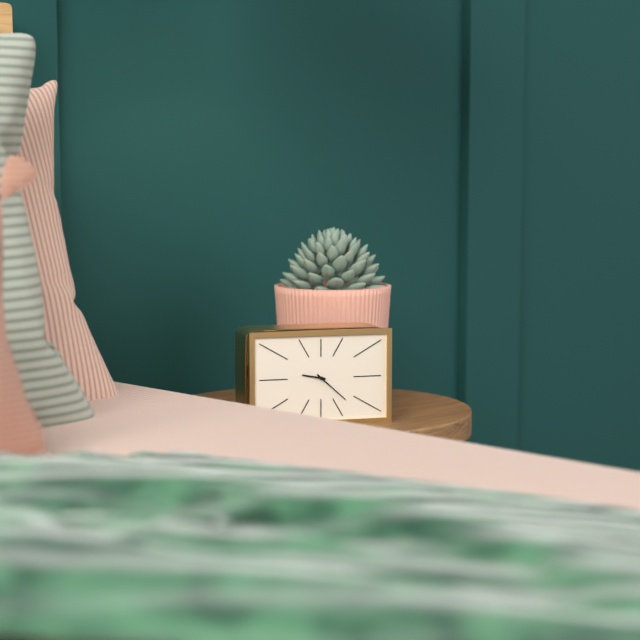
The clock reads 9,22
